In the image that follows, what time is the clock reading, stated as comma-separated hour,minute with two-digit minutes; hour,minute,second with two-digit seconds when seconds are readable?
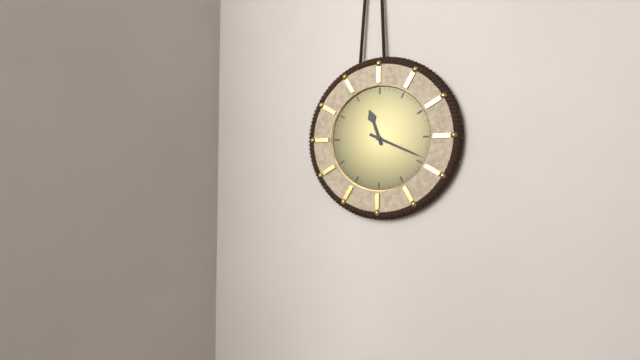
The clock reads 11,19
